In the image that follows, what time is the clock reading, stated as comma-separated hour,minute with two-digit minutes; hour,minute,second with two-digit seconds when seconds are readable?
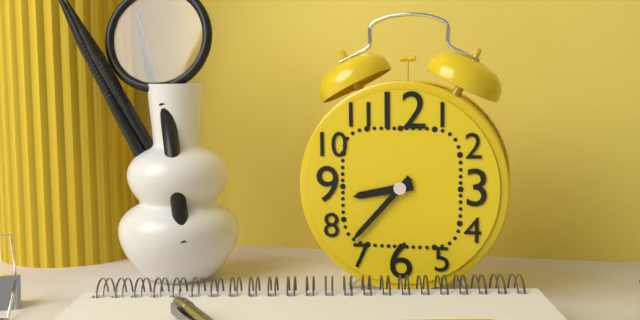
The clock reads 8,37
